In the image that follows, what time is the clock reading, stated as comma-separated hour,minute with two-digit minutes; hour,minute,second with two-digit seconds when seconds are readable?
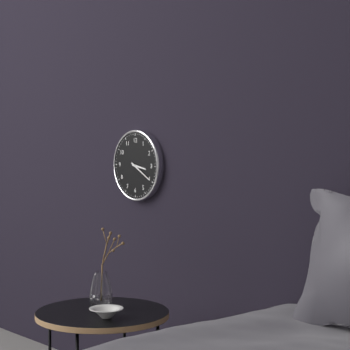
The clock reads 3,20
